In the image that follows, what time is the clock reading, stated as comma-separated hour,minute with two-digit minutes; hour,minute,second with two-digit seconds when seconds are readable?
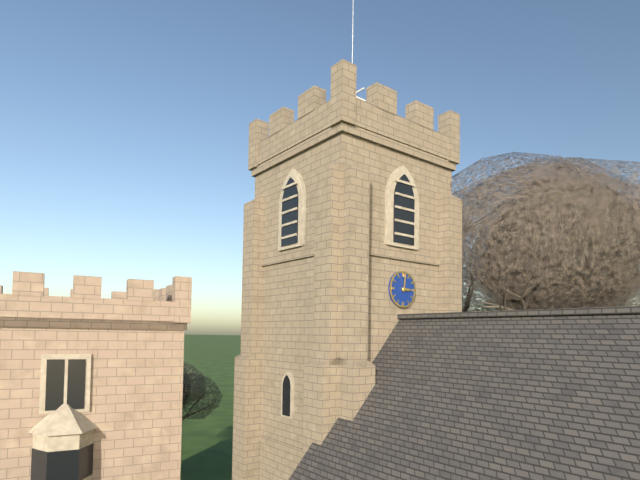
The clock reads 3,01
